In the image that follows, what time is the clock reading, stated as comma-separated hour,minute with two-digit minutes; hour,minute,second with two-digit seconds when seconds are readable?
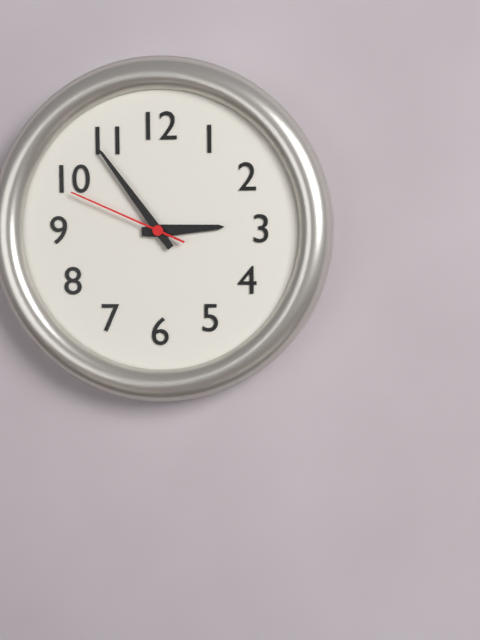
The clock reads 2,54,49
